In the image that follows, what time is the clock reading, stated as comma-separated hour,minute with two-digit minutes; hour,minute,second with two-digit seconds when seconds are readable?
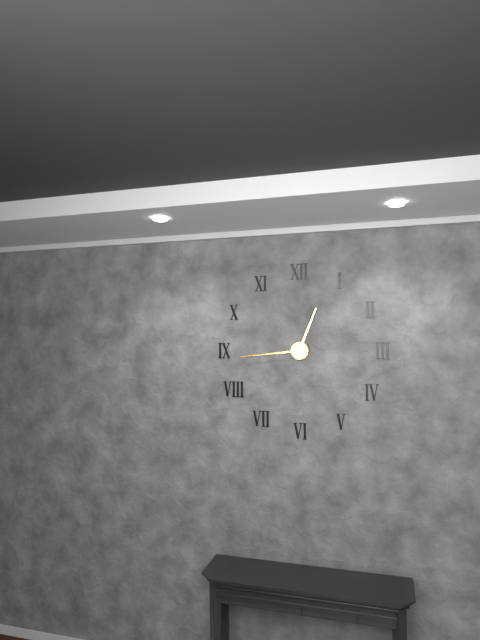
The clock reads 12,44
